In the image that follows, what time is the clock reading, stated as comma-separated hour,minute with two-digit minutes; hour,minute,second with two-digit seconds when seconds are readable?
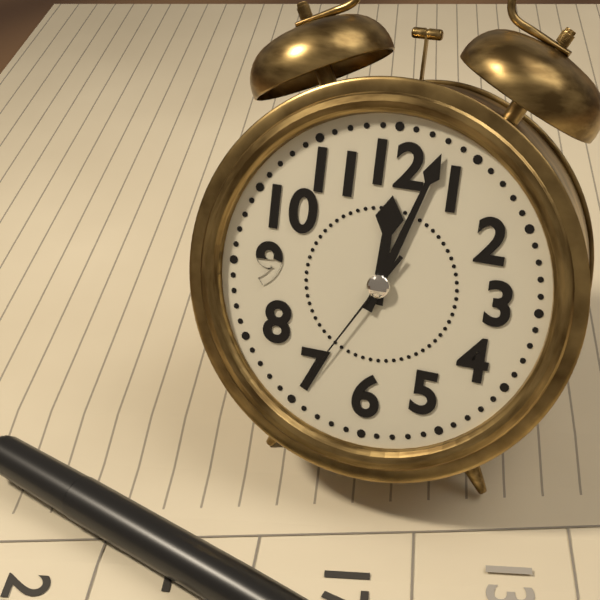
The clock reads 12,03,35
